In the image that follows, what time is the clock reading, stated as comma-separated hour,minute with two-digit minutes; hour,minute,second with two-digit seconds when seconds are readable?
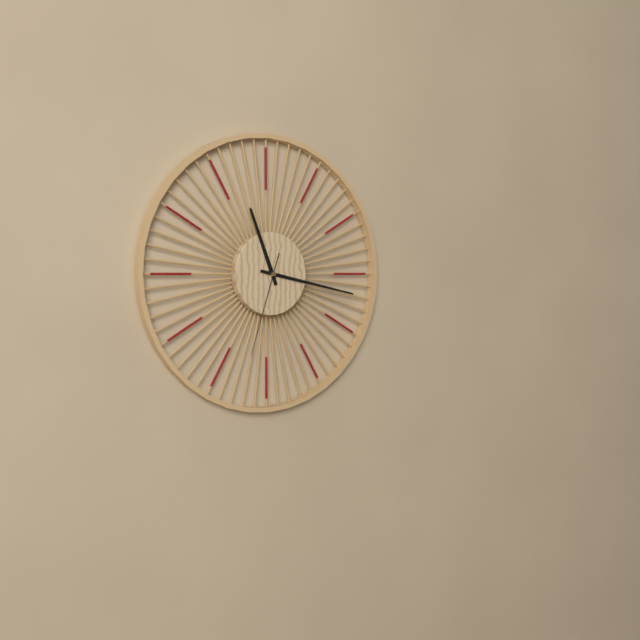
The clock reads 11,17,33
